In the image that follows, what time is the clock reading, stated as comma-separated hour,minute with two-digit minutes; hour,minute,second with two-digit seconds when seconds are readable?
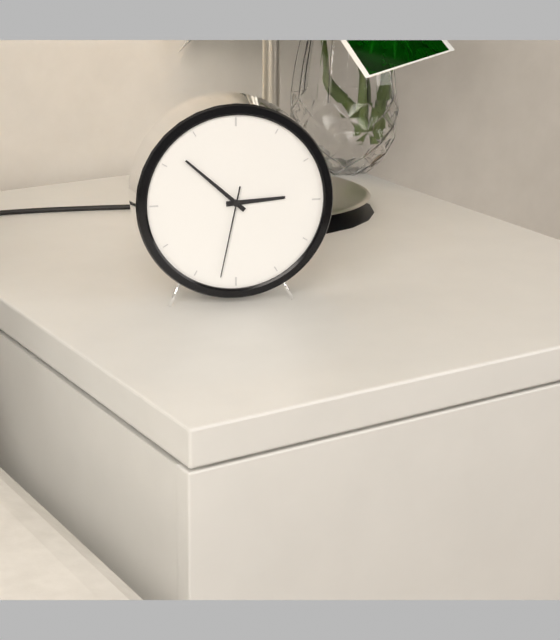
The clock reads 2,52,32
